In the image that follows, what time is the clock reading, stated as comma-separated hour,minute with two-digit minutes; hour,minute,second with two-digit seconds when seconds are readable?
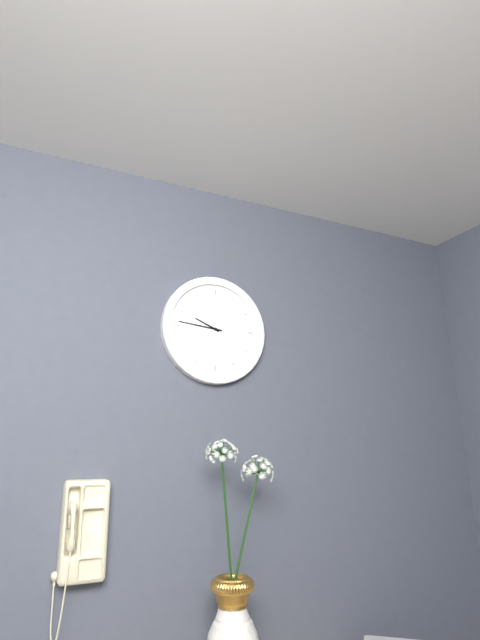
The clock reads 9,46
